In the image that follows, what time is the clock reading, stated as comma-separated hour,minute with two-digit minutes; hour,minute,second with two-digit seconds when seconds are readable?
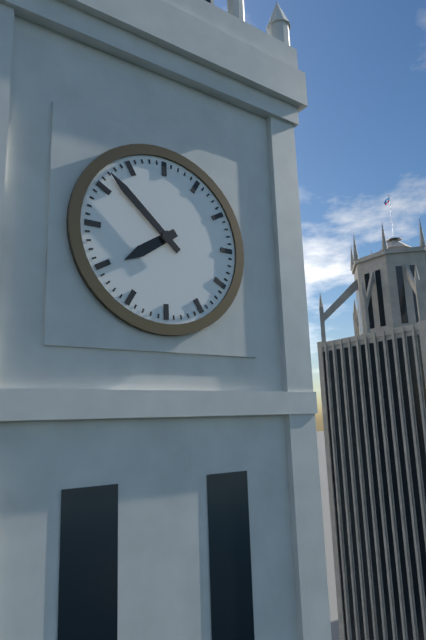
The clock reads 7,52
